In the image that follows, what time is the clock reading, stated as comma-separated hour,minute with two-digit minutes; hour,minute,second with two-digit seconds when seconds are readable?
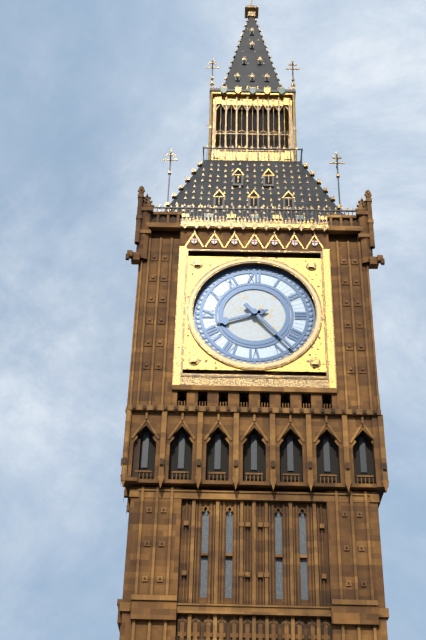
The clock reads 8,23
